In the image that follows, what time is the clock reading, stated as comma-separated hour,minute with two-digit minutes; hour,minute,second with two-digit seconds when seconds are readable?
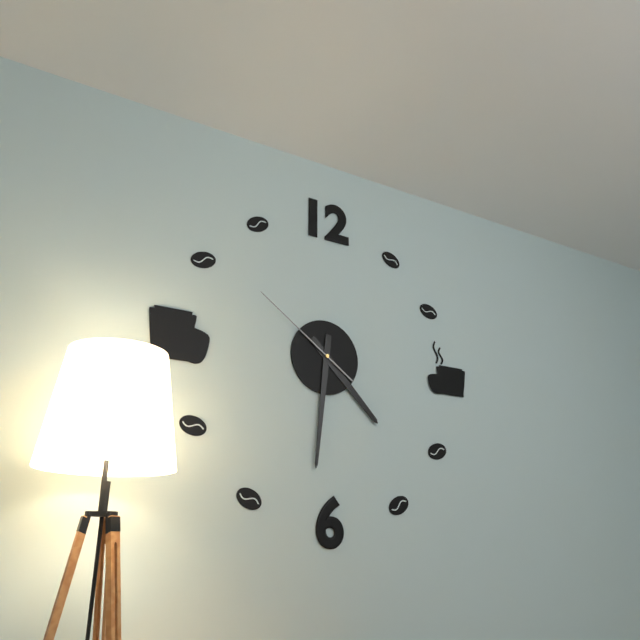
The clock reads 4,31,51
